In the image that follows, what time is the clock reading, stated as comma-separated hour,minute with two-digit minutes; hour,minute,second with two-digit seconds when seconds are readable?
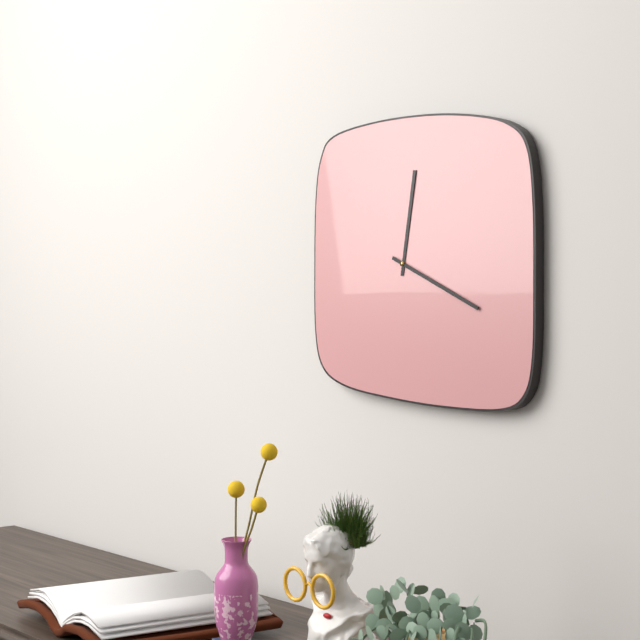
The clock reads 12,19
